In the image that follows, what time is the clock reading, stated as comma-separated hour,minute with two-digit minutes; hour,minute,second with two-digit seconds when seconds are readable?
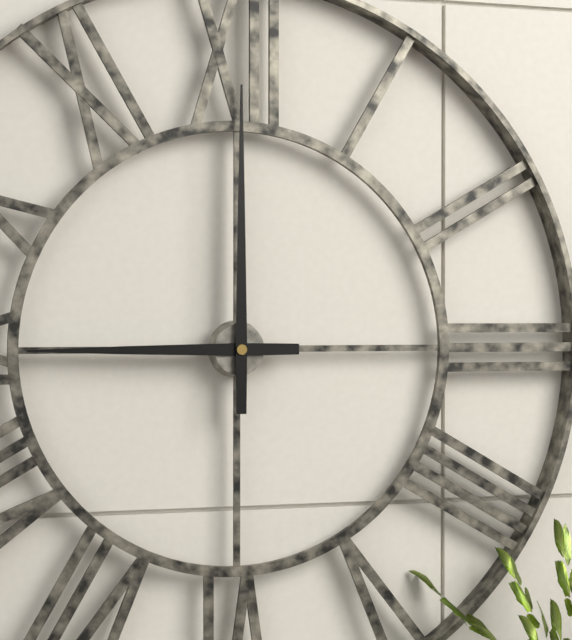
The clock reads 9,00
